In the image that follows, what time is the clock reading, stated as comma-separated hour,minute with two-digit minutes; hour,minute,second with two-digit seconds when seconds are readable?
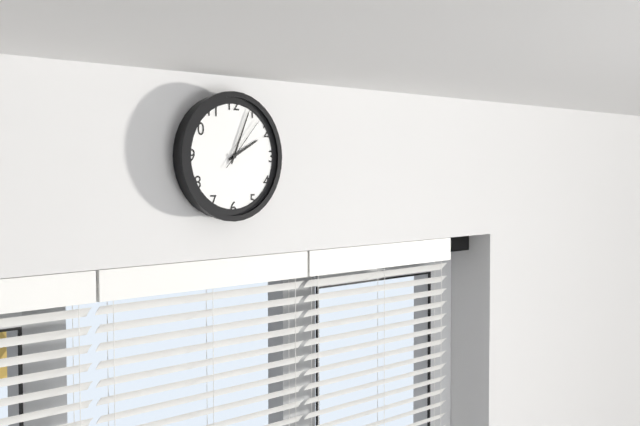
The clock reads 2,04,07
